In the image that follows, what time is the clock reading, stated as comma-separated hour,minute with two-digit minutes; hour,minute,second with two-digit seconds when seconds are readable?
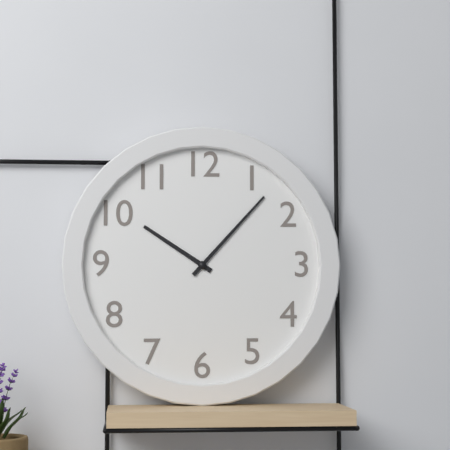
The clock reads 10,07
